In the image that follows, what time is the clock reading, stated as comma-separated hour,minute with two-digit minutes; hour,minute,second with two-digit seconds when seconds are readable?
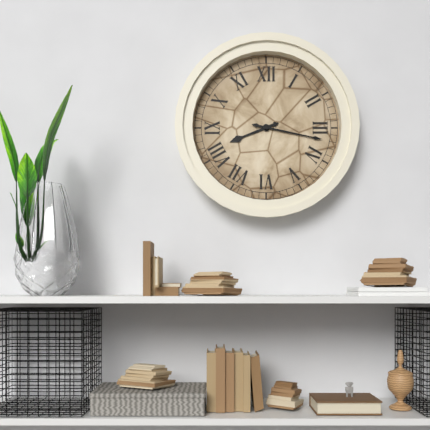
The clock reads 8,17
